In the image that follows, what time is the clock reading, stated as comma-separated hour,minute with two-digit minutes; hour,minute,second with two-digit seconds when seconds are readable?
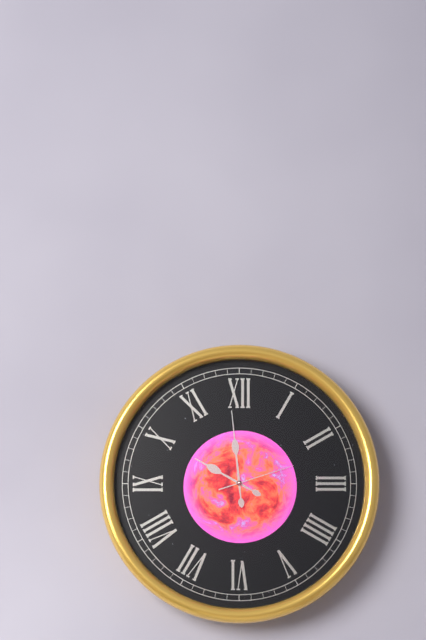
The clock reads 9,59,12
